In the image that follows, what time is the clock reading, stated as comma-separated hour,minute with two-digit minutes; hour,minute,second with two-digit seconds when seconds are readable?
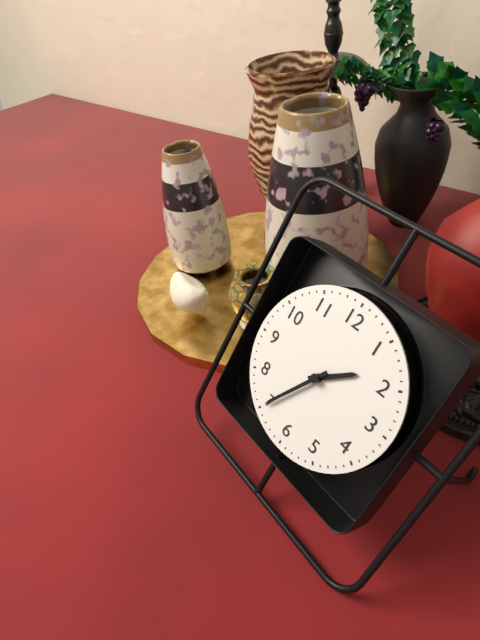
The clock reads 1,35
